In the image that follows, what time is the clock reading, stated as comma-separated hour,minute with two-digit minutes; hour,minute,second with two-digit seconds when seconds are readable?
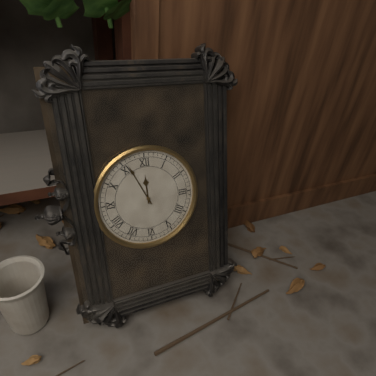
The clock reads 11,56
